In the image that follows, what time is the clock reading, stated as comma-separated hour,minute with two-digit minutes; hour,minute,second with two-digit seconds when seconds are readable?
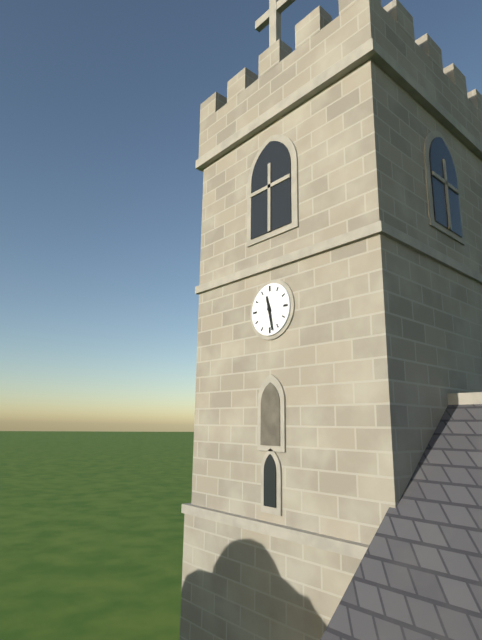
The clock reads 11,28
